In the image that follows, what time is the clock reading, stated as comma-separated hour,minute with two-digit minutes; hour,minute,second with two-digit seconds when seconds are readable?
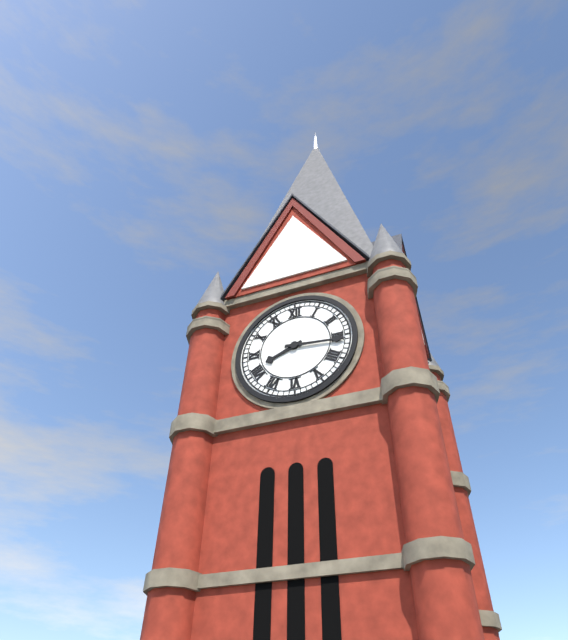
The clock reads 8,16
